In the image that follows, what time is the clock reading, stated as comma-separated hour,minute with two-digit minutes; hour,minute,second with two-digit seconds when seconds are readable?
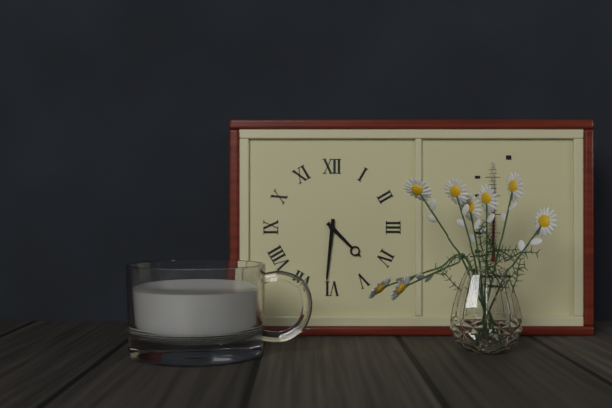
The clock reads 4,31
